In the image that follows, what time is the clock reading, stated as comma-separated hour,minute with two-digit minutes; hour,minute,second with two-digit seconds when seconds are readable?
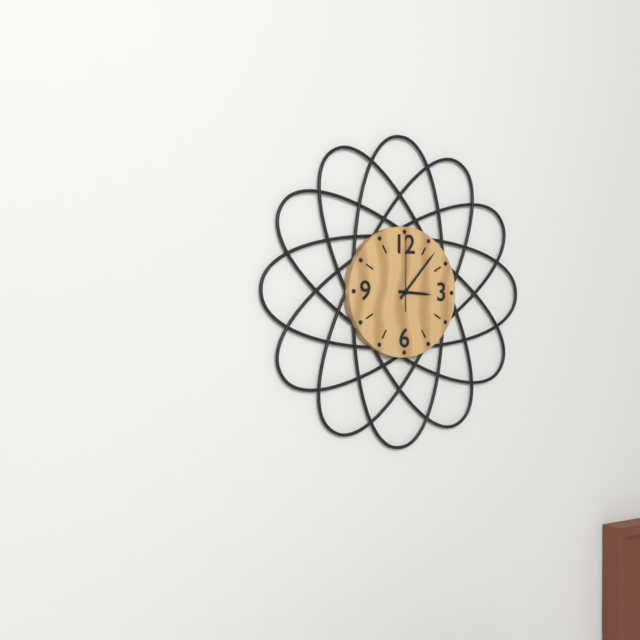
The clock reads 3,07,00
